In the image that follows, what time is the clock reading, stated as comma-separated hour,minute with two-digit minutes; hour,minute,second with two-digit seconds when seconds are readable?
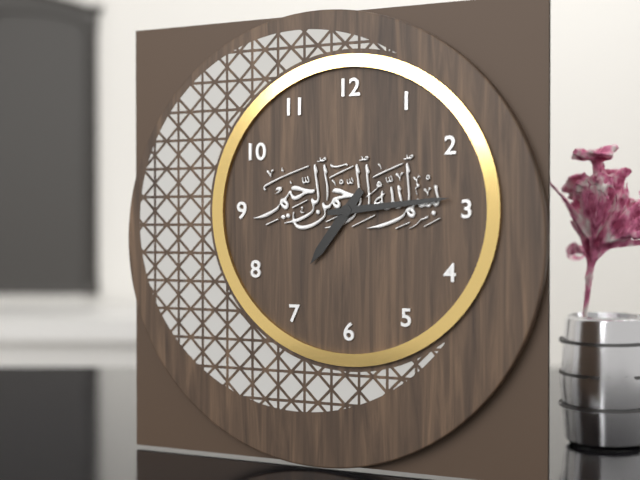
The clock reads 7,14
